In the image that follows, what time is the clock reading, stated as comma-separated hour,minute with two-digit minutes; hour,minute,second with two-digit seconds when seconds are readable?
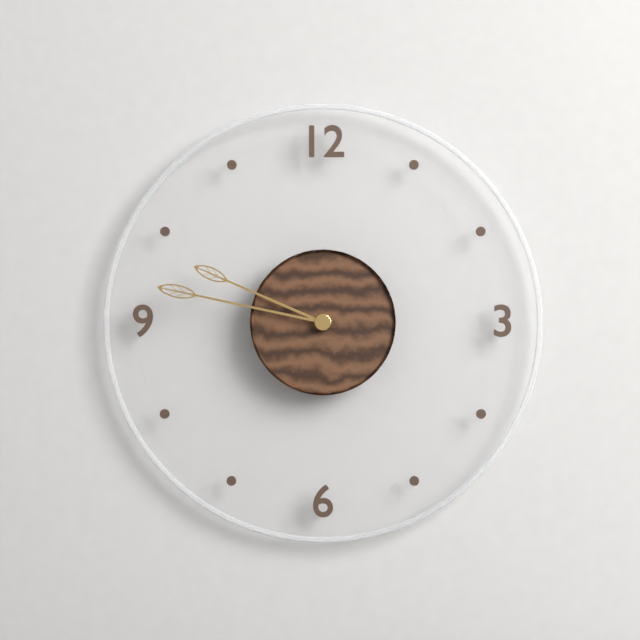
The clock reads 9,47
